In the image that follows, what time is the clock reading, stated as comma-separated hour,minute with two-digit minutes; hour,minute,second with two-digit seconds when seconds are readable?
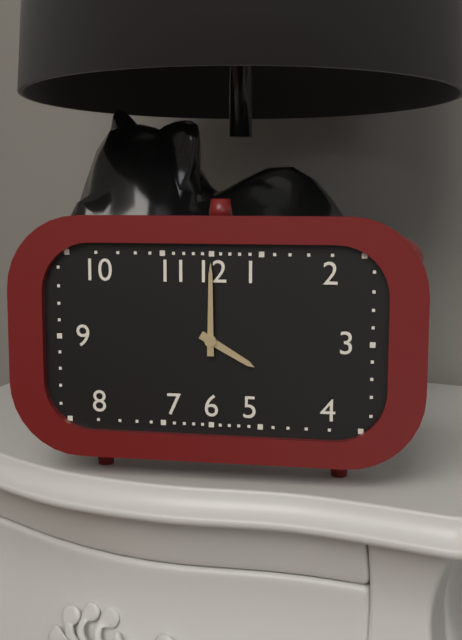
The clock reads 4,00
